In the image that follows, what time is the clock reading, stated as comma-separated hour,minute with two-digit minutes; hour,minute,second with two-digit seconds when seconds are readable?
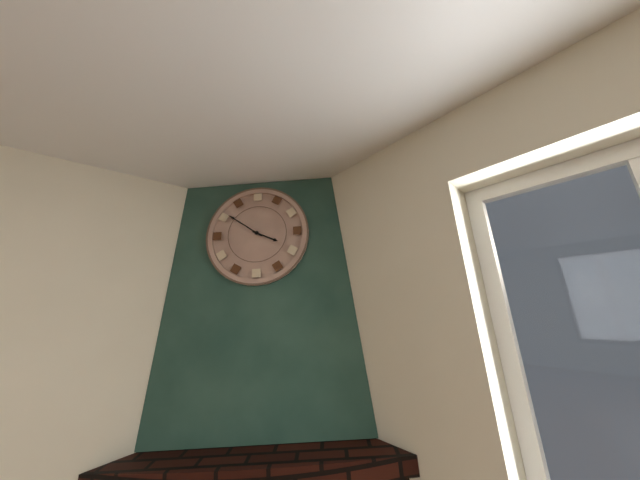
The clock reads 3,51
